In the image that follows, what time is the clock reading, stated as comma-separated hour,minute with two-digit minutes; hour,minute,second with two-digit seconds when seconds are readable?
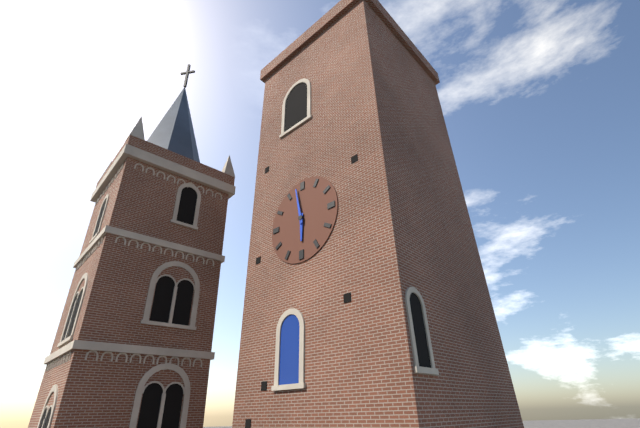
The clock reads 5,58
